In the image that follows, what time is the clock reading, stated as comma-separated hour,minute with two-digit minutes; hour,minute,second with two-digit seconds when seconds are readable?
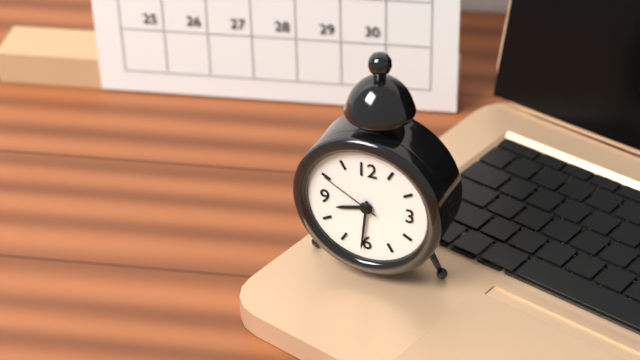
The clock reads 8,31,50
